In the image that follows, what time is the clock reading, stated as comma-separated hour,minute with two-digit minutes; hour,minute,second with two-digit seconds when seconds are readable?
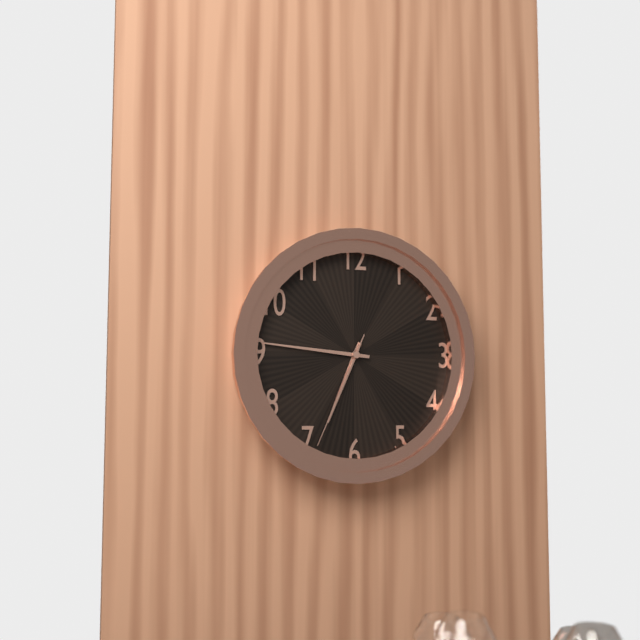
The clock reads 6,46,34
